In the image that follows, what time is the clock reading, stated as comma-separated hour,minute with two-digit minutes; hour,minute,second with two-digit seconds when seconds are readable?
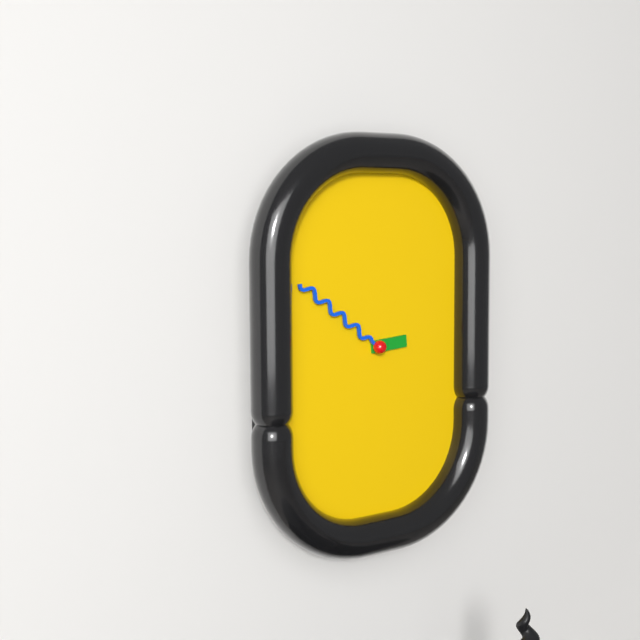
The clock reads 2,51
